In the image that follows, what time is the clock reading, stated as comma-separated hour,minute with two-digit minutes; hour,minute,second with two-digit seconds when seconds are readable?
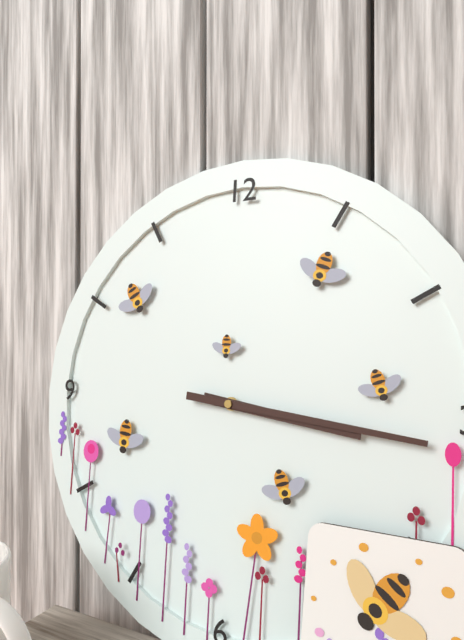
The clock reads 3,16
